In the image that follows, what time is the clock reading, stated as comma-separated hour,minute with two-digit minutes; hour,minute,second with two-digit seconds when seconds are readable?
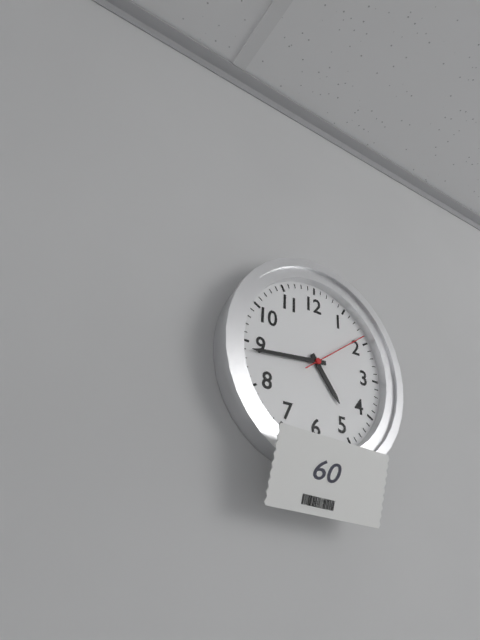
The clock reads 4,44,09
